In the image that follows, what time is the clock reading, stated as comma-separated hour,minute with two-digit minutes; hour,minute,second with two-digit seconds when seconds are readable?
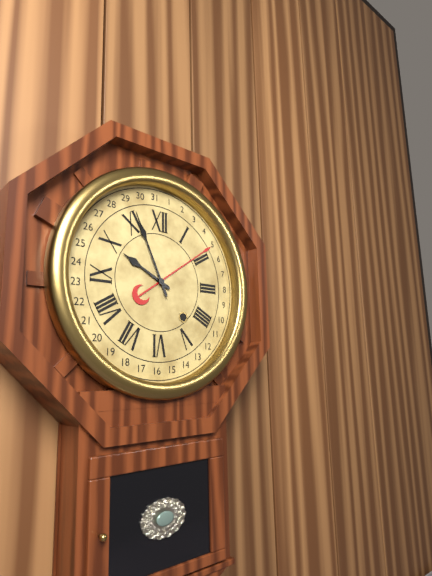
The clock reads 9,56
